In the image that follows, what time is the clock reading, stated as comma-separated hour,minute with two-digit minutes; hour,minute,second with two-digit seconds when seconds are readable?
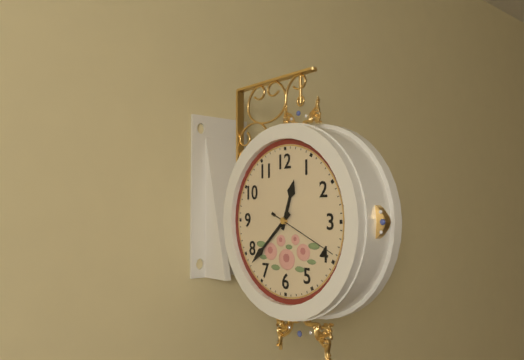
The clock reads 12,38,19
